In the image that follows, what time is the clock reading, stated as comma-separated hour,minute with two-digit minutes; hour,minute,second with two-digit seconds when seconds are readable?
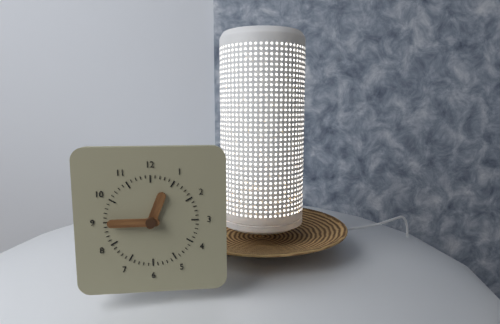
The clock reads 12,45
